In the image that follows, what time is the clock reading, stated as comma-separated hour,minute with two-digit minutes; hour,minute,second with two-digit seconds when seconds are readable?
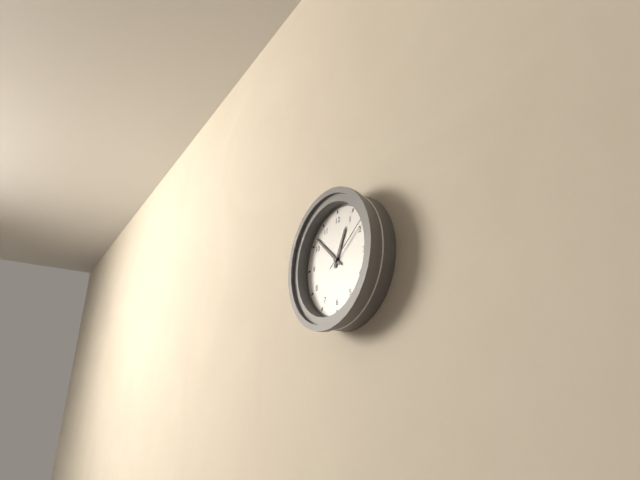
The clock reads 12,52,09
